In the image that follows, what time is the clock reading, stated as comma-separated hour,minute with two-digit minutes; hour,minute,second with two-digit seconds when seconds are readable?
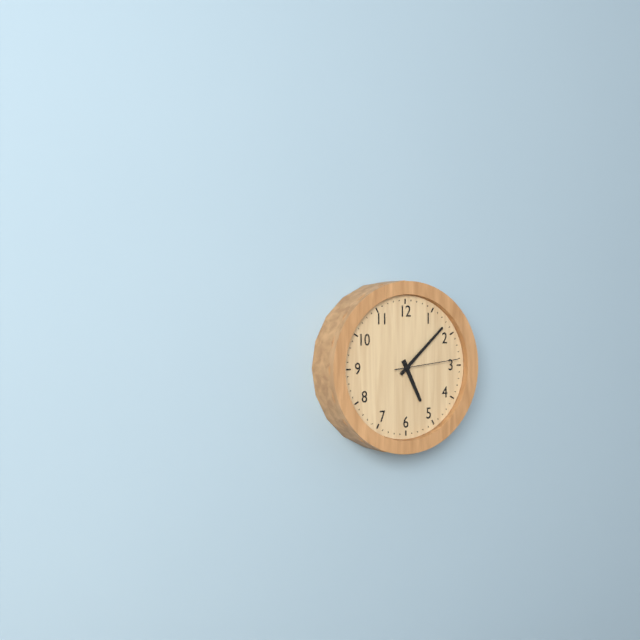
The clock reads 5,08,14
